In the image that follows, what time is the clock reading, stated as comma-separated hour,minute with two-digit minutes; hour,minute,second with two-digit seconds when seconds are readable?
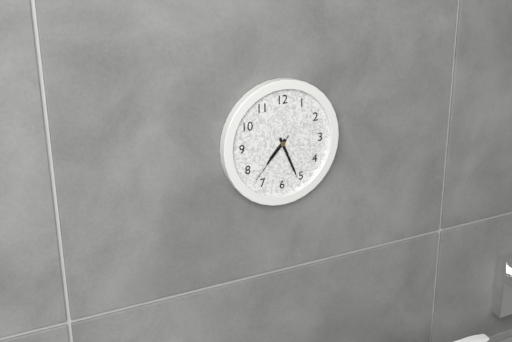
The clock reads 7,26,37
